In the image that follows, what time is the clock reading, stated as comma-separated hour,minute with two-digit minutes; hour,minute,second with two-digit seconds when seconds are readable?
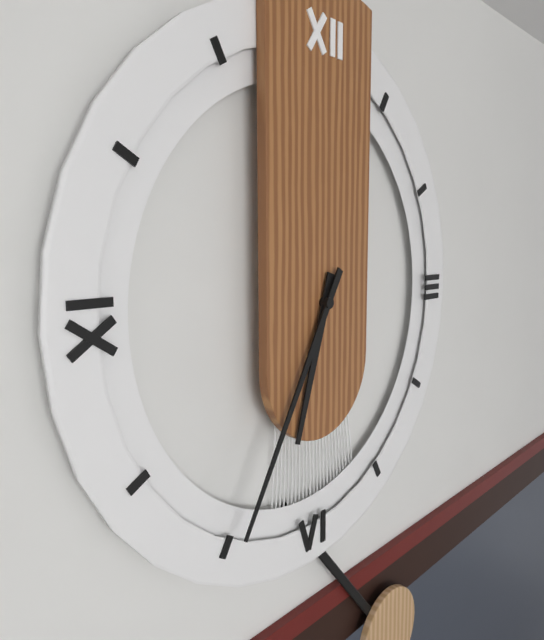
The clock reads 6,35
